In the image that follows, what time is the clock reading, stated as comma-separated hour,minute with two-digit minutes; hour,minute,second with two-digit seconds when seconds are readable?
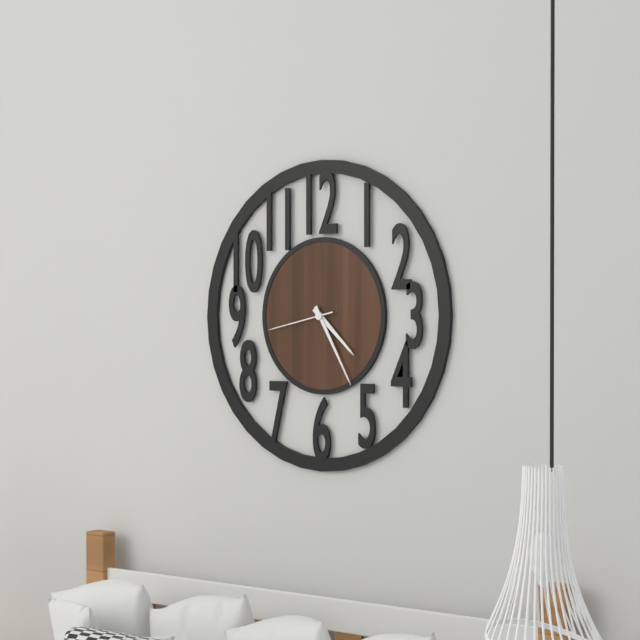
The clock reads 4,25,43
